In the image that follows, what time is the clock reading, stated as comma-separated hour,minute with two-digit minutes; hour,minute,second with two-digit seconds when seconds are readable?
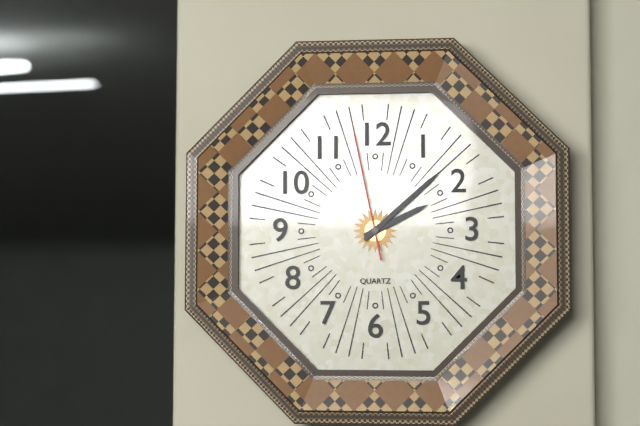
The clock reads 2,08,58
